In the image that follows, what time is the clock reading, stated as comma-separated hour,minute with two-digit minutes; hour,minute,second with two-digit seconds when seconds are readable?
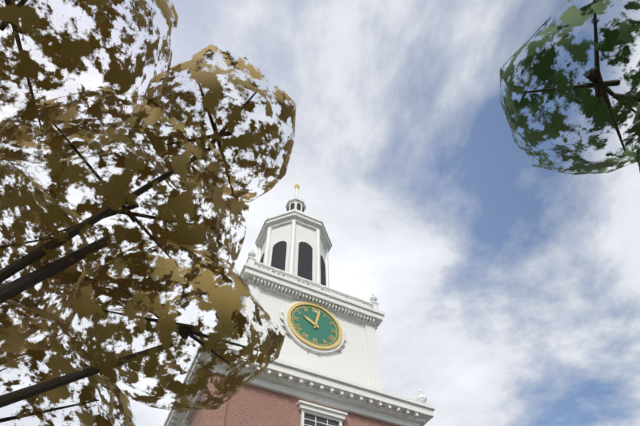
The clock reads 10,02
